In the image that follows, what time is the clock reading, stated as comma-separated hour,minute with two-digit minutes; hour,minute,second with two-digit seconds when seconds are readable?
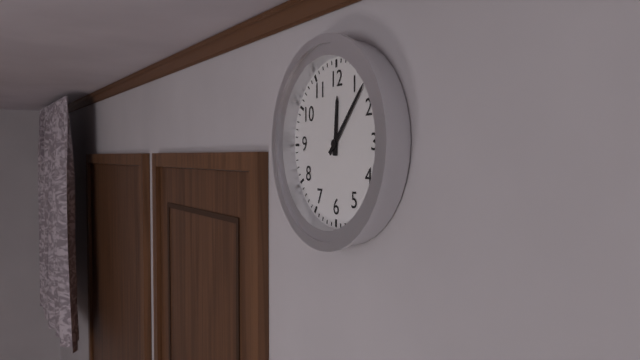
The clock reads 12,07
